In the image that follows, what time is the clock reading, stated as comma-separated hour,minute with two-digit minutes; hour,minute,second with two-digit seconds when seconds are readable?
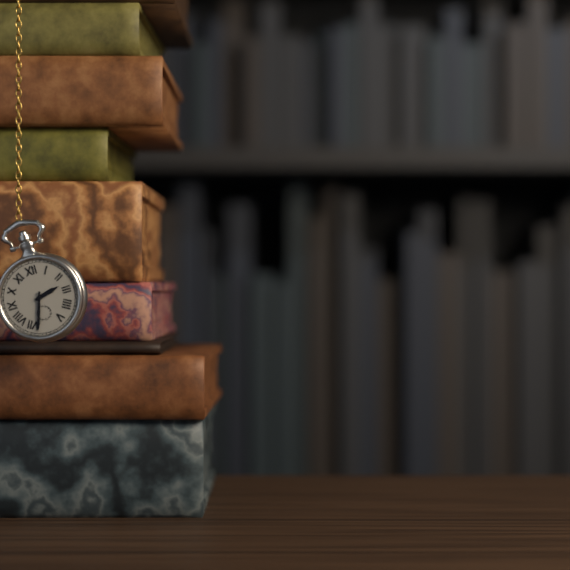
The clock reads 2,33
